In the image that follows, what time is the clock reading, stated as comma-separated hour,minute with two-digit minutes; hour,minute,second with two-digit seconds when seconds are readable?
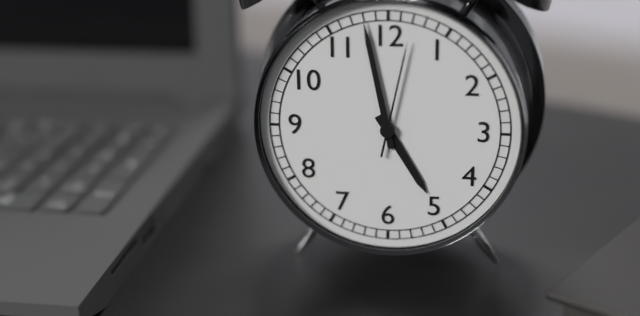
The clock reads 4,58,02
